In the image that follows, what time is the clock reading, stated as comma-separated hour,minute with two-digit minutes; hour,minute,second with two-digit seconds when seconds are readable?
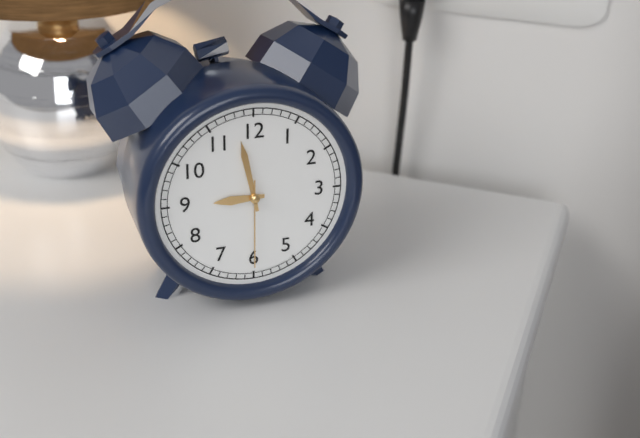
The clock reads 8,58,30
